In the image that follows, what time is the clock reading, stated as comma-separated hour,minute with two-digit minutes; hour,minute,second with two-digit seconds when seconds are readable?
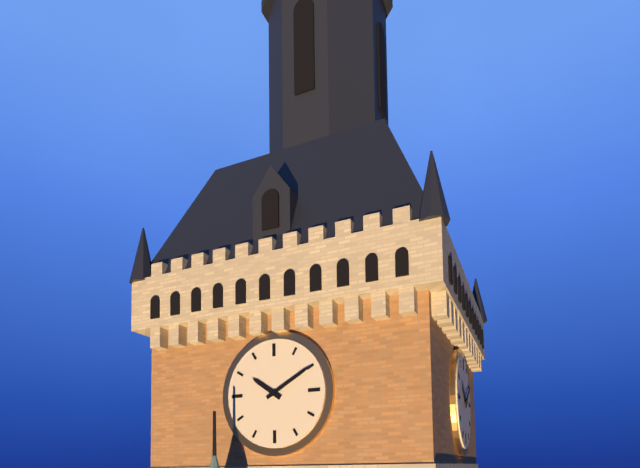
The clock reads 10,10
